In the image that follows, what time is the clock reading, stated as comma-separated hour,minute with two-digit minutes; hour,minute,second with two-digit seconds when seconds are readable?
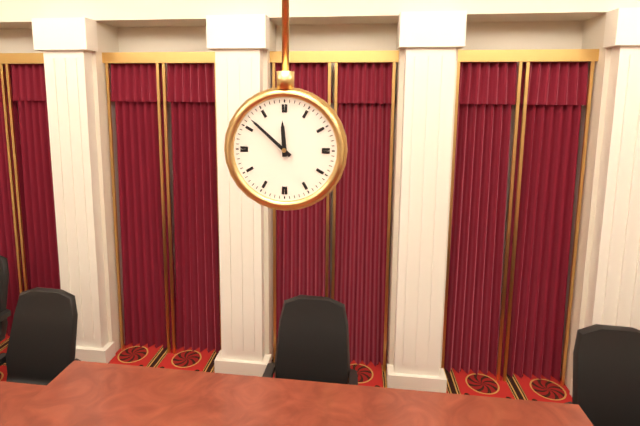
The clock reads 11,52
